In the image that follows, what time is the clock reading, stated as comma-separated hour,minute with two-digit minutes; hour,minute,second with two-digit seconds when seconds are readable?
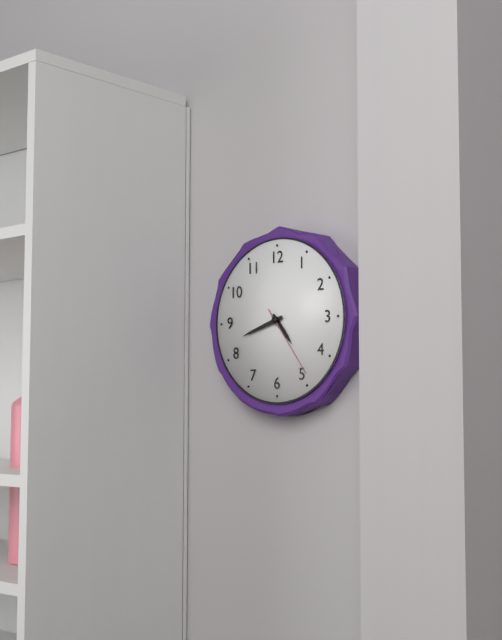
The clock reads 4,42,24
